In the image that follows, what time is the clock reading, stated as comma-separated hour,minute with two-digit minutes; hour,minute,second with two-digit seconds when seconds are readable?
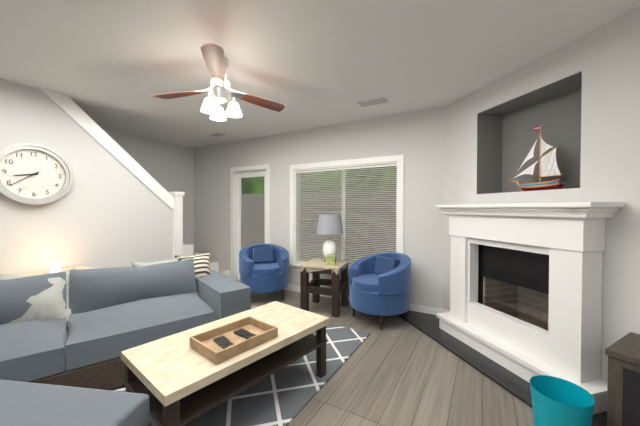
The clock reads 8,39
